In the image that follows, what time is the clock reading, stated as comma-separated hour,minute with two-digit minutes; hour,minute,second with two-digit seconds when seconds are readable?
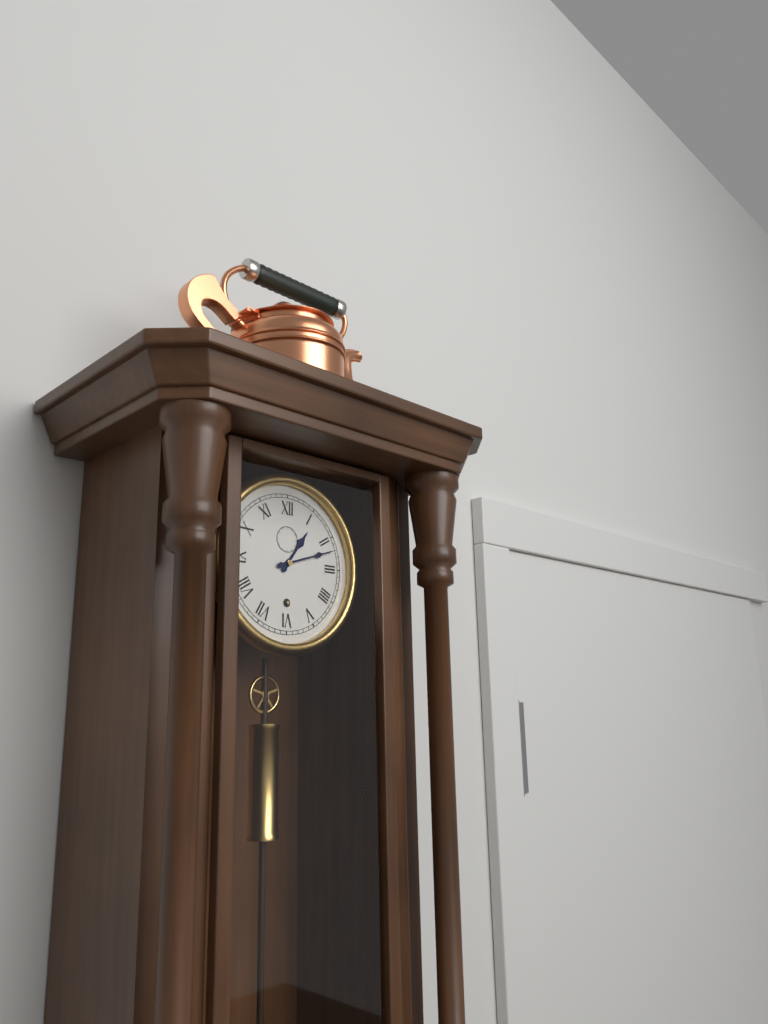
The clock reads 1,12
